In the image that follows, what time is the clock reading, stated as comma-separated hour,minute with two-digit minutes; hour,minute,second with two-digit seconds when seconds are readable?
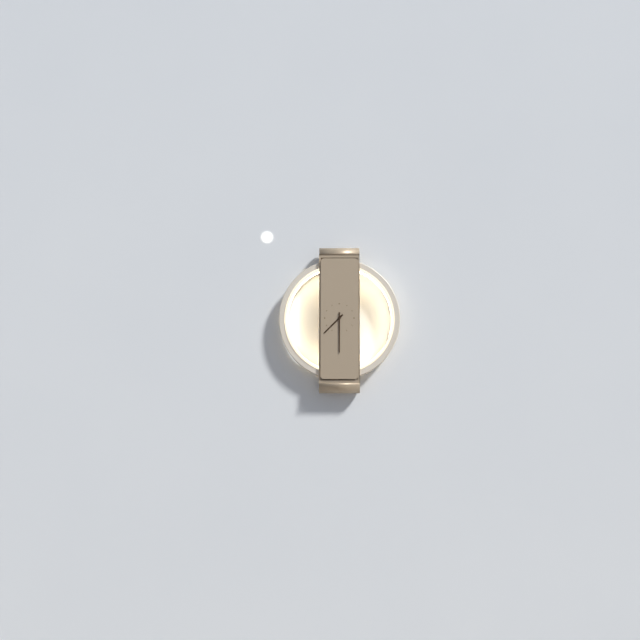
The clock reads 7,30
